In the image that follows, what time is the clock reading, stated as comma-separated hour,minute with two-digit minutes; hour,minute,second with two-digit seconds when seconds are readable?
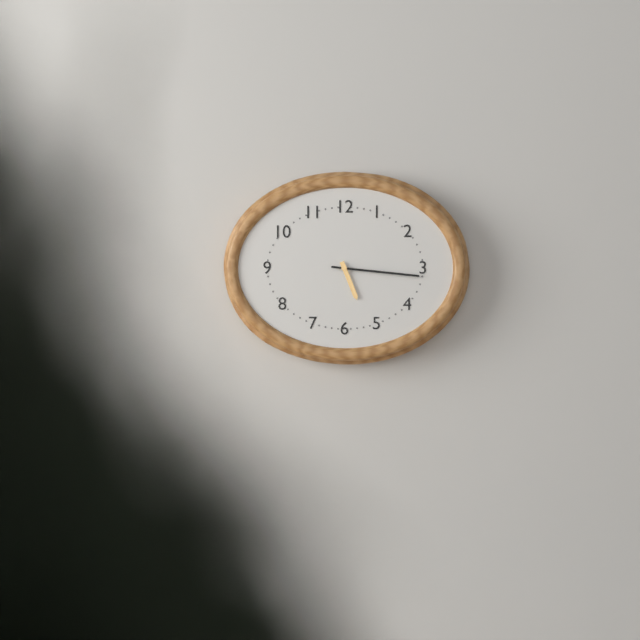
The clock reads 5,16
